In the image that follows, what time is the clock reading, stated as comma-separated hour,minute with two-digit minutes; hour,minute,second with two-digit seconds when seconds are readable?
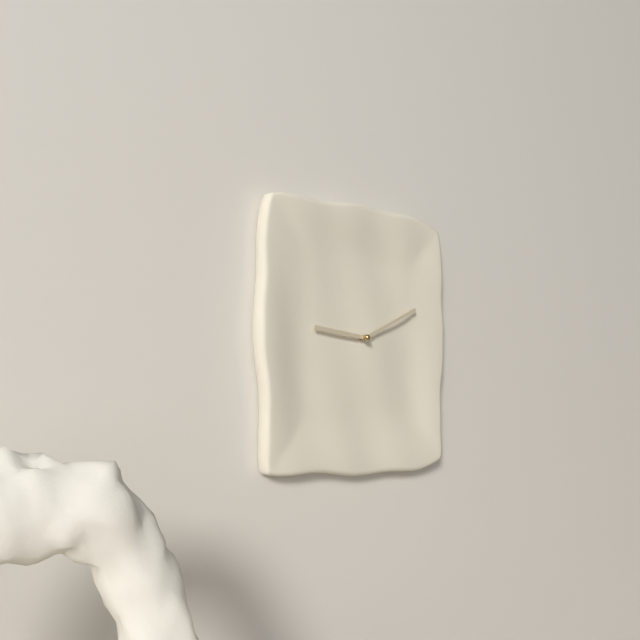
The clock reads 9,11
